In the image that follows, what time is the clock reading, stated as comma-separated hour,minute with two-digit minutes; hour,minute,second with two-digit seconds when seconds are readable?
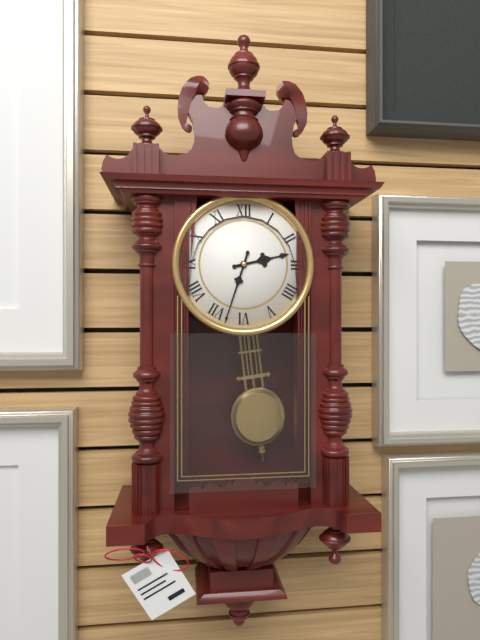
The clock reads 2,33
